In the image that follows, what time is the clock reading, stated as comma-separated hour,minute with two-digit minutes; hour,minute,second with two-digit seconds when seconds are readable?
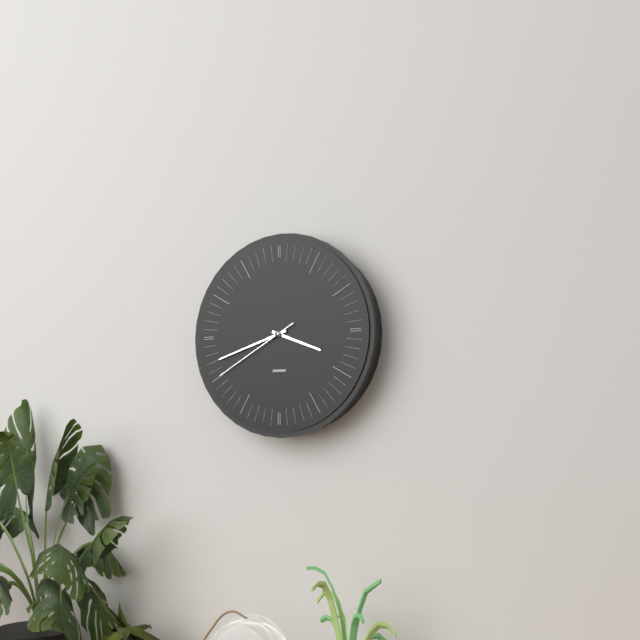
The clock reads 3,42,40
